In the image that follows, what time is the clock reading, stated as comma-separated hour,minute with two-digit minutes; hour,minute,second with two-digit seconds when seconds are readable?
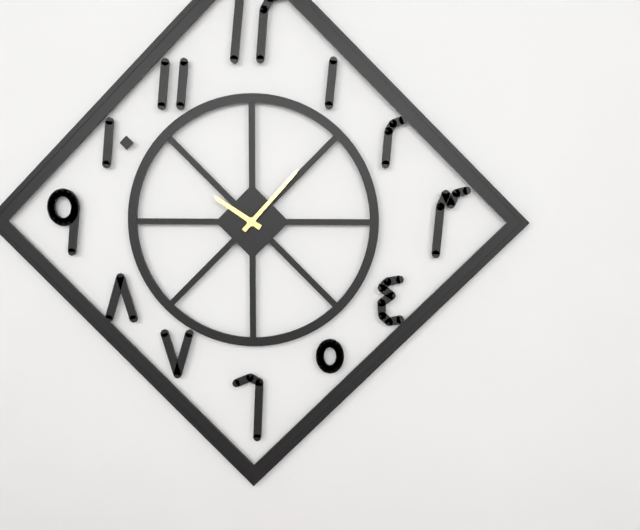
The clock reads 10,07
